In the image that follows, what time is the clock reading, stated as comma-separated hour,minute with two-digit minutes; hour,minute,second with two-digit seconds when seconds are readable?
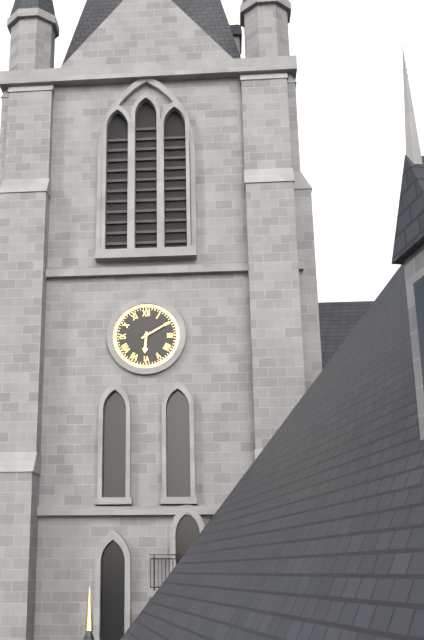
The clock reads 6,10
